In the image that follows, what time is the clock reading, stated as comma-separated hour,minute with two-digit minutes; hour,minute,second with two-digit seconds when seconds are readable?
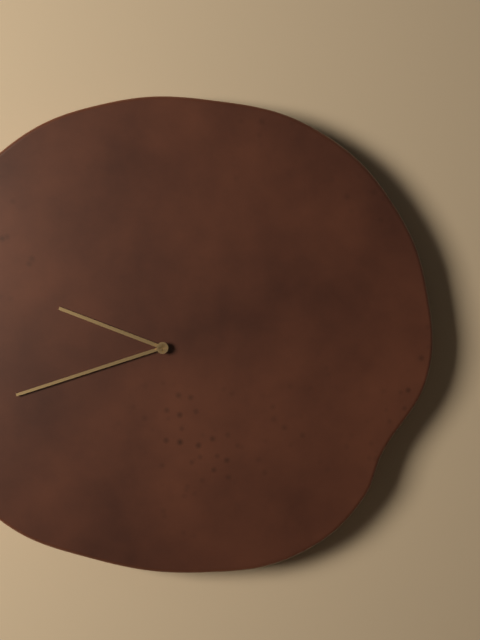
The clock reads 9,42
